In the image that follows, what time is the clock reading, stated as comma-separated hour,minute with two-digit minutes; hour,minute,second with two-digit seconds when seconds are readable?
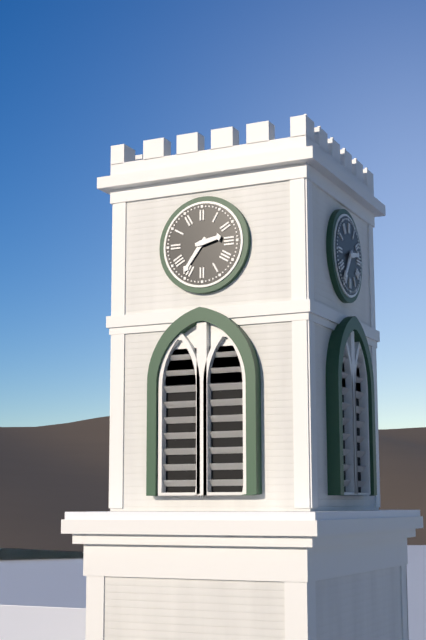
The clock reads 2,36
